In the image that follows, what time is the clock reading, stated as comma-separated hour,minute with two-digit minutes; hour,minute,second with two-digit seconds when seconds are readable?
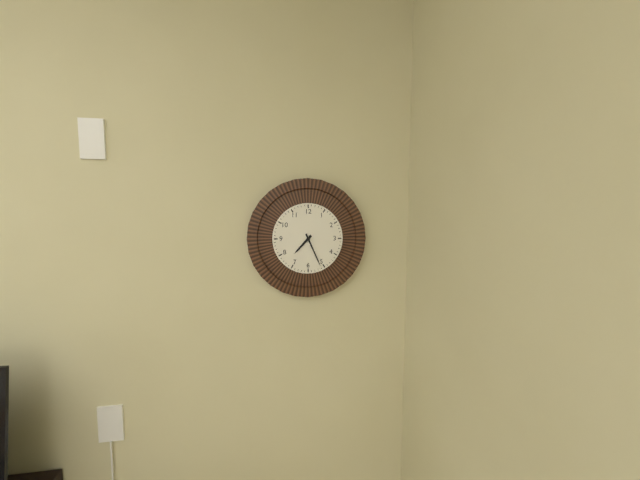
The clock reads 7,26
